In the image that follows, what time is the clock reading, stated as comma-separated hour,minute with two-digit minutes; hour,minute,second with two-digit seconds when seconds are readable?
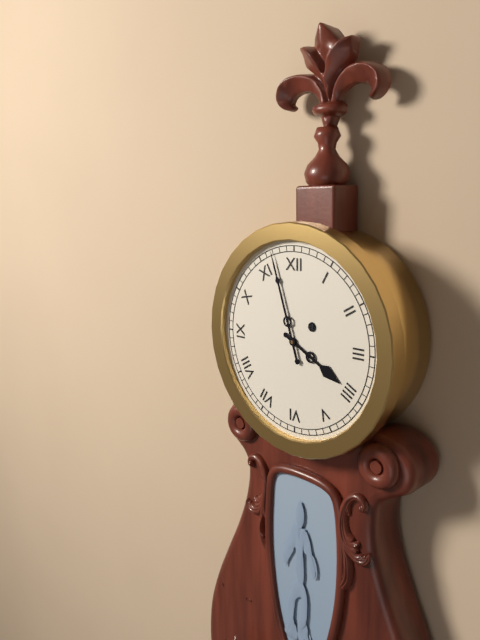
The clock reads 3,57
